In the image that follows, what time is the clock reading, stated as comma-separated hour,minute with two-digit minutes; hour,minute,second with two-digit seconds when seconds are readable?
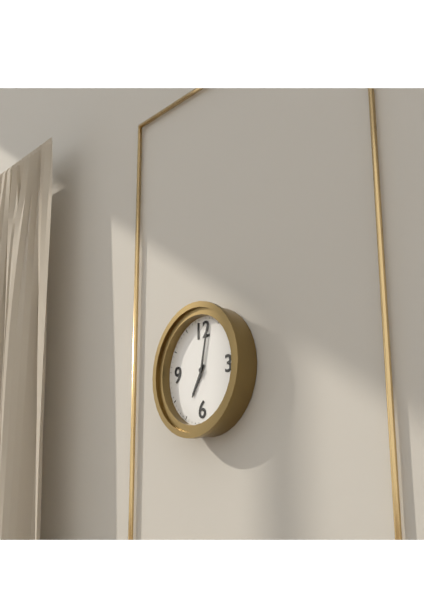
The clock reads 7,02
